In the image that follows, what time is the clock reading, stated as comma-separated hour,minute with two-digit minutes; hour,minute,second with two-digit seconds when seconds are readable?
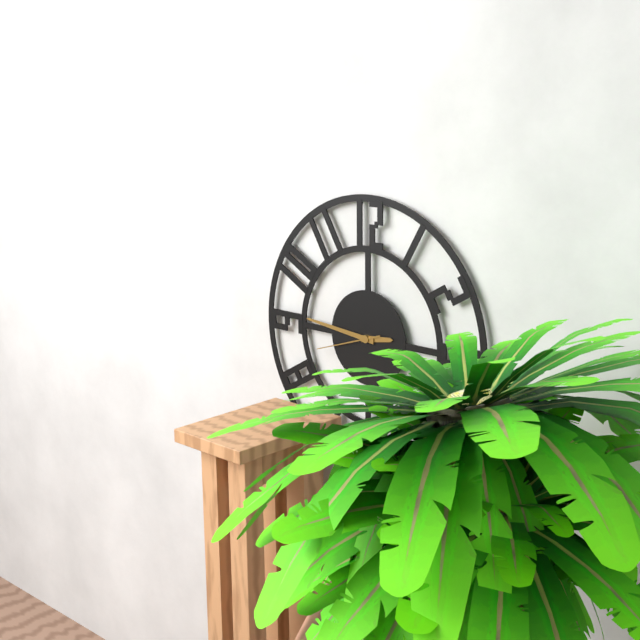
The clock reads 2,46,42
